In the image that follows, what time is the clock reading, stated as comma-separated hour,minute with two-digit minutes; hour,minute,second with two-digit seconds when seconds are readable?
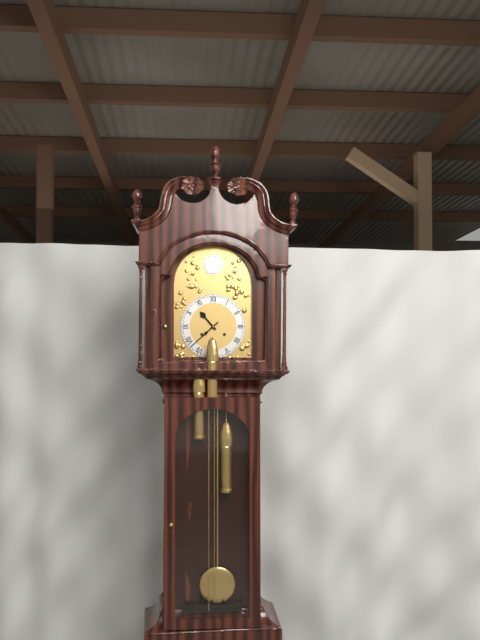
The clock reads 10,38
